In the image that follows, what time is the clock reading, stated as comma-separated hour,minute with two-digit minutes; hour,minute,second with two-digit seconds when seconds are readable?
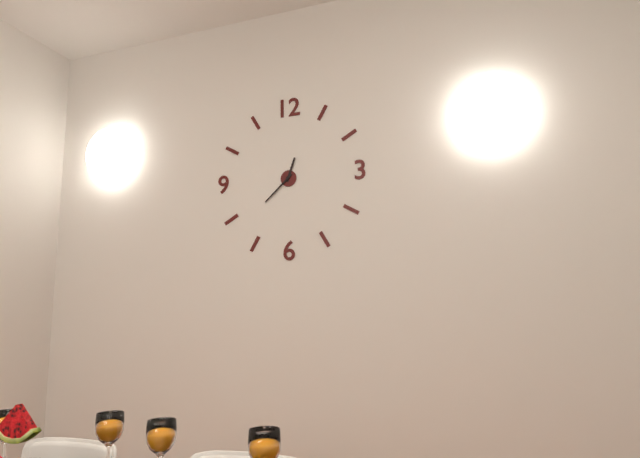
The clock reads 12,38
